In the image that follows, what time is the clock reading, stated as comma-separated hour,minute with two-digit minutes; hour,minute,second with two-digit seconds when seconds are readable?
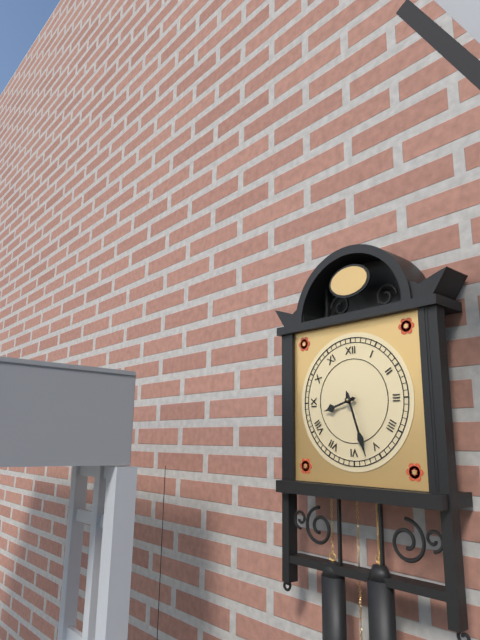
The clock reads 8,27
